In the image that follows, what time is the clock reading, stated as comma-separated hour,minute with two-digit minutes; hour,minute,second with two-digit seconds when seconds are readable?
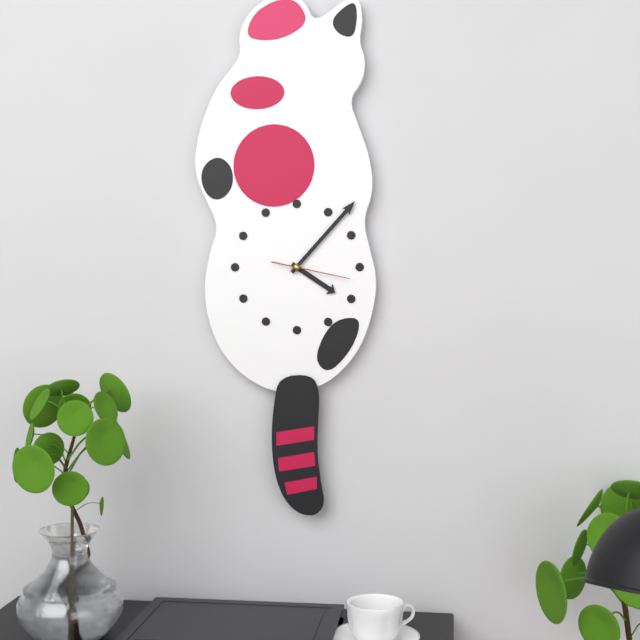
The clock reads 4,07,17
